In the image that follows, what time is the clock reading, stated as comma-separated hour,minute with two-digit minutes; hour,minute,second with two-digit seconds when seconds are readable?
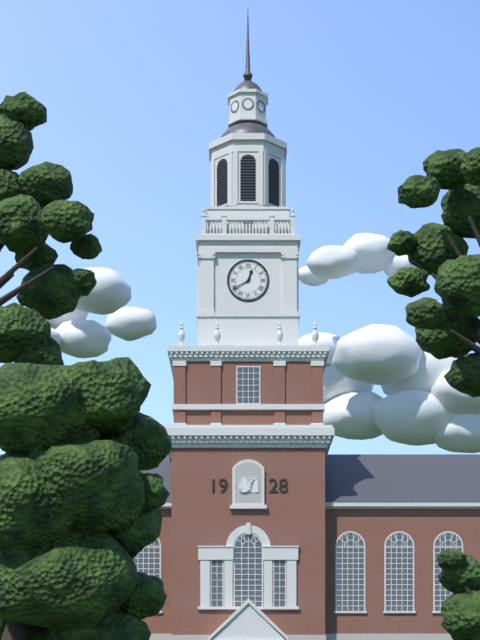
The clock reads 12,40
